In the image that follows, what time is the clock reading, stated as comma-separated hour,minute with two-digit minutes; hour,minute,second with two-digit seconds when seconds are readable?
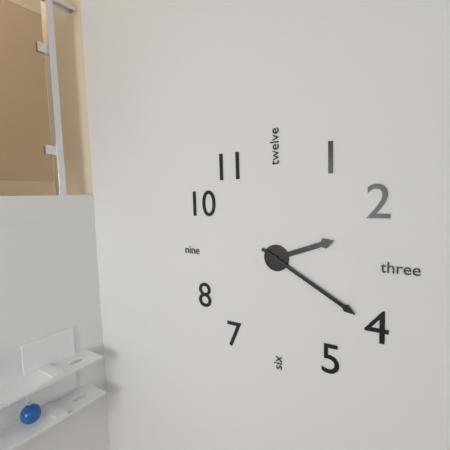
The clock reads 2,20
